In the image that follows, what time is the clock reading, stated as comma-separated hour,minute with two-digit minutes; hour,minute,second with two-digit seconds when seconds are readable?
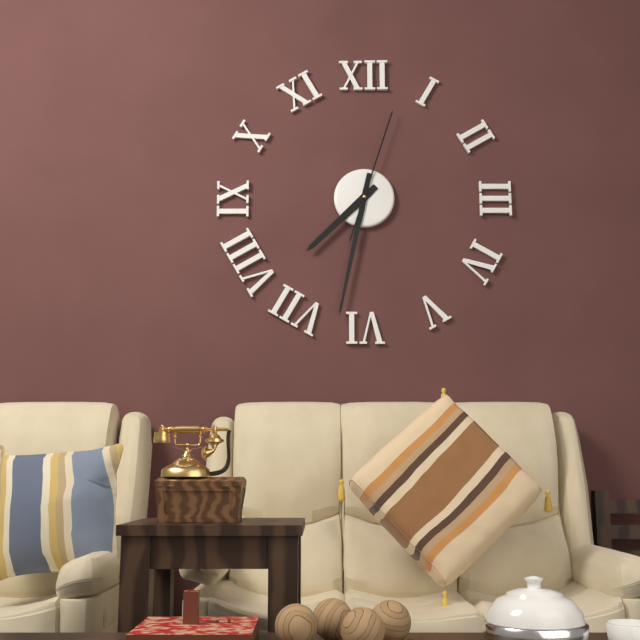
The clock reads 7,32,03
